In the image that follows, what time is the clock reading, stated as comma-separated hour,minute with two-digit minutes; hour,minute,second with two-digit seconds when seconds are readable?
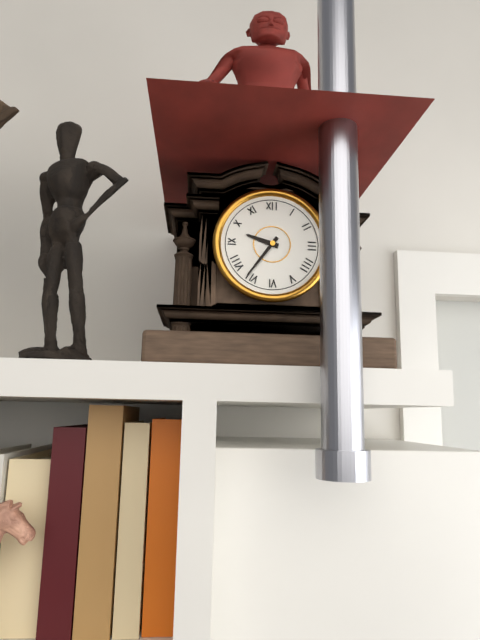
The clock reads 9,36
